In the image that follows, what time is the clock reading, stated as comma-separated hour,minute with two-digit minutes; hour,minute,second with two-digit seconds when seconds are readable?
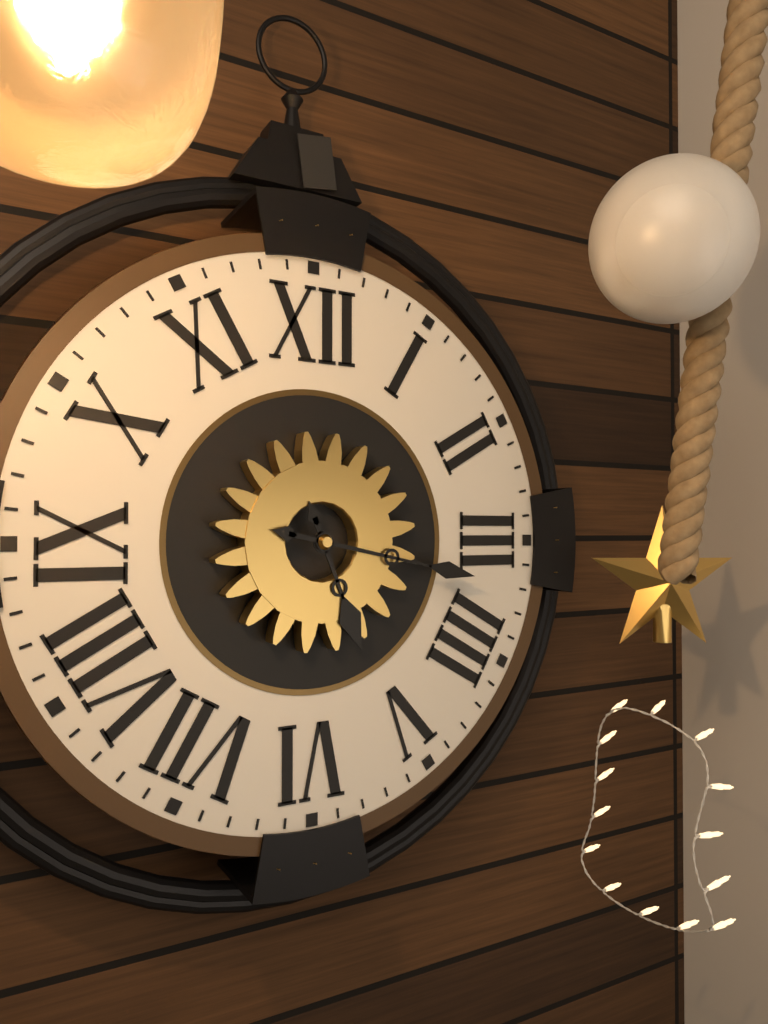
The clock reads 5,17
